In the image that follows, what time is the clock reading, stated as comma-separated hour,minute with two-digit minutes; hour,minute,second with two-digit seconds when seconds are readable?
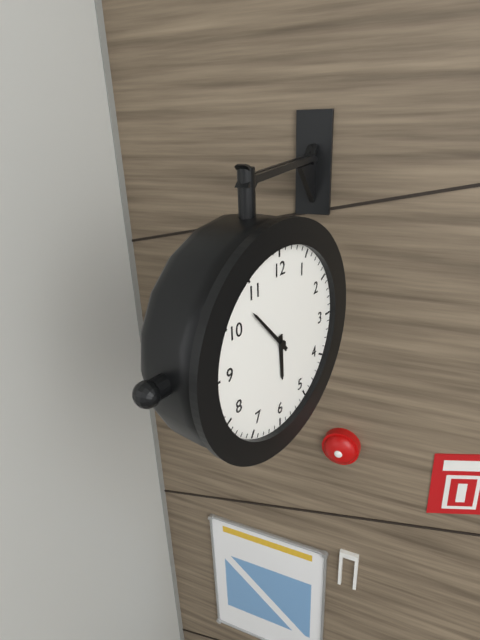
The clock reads 5,53
